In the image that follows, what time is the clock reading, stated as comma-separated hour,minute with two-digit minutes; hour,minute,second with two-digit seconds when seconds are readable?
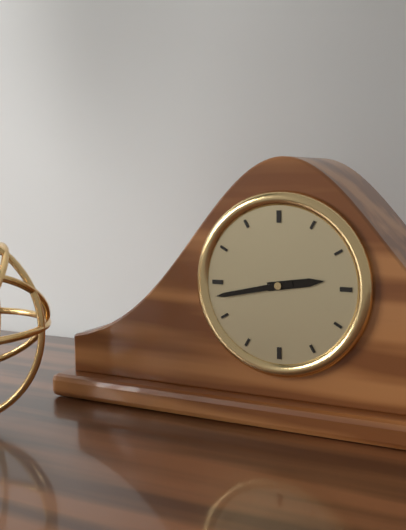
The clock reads 2,43
